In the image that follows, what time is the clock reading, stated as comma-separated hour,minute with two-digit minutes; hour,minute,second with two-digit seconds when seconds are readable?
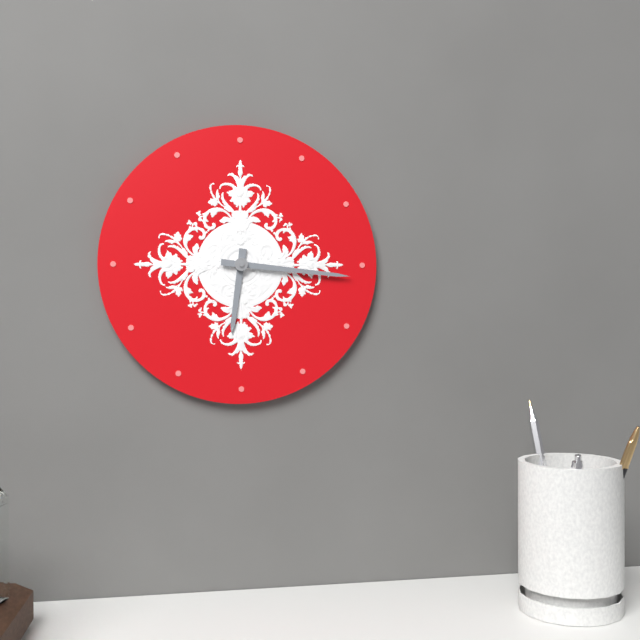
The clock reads 6,16
